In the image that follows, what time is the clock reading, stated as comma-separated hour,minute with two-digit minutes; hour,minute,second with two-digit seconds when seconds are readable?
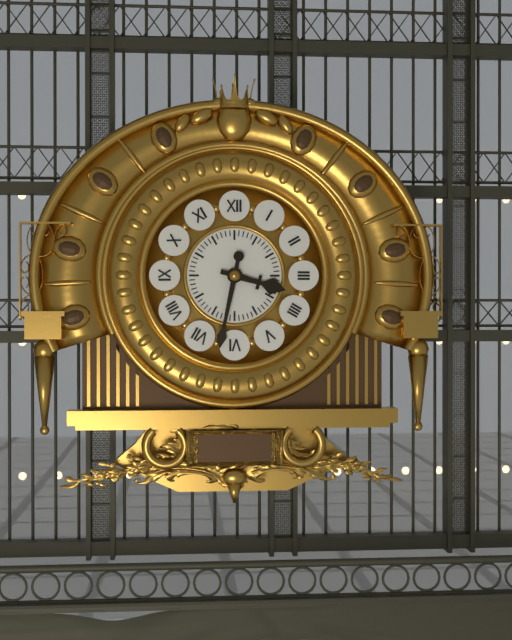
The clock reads 3,32
